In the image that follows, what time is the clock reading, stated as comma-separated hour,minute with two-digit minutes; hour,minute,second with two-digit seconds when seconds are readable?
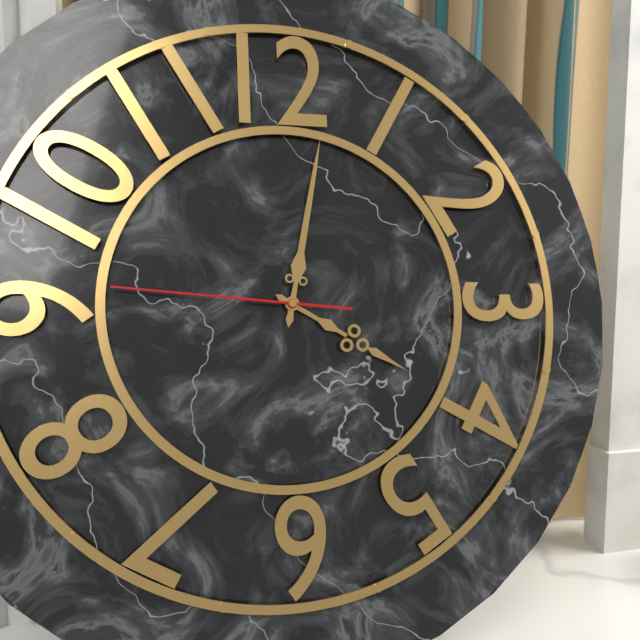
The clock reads 4,02,46
